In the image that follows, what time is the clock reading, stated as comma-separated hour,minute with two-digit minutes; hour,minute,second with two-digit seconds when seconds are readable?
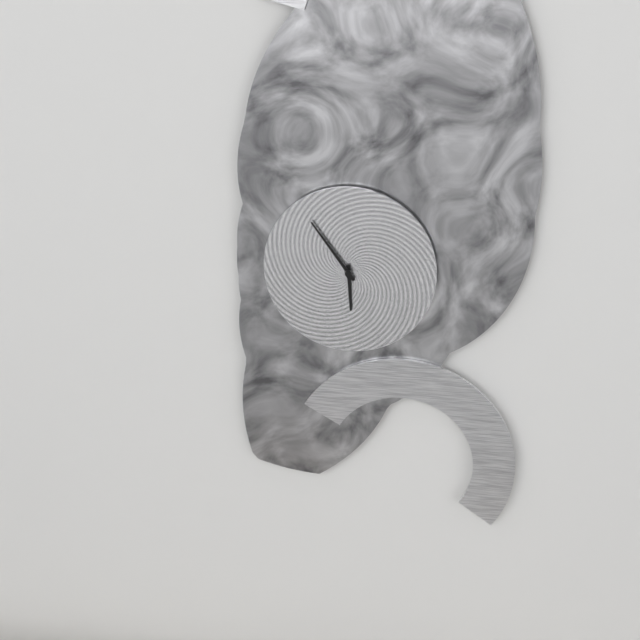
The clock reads 5,54
